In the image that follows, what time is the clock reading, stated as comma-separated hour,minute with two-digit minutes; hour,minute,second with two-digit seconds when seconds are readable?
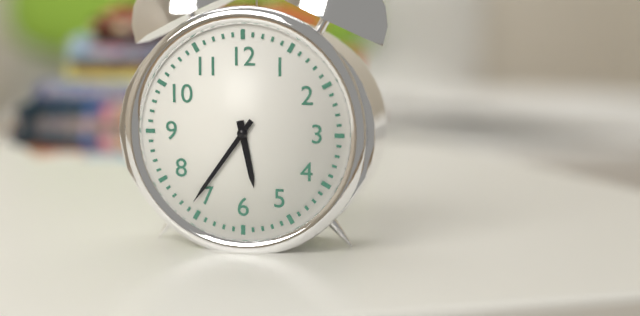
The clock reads 5,36
